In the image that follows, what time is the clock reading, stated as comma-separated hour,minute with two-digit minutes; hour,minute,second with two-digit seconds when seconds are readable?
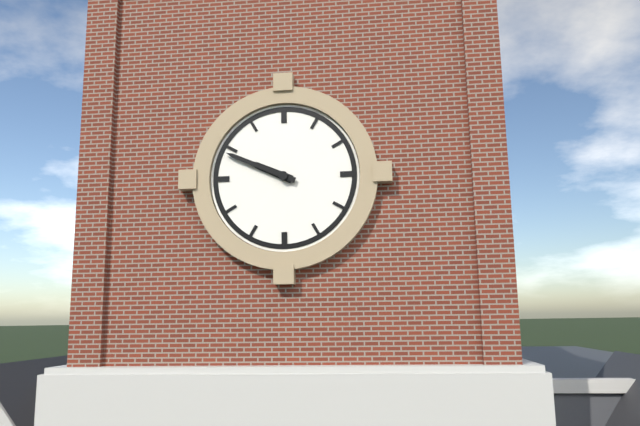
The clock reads 9,49
